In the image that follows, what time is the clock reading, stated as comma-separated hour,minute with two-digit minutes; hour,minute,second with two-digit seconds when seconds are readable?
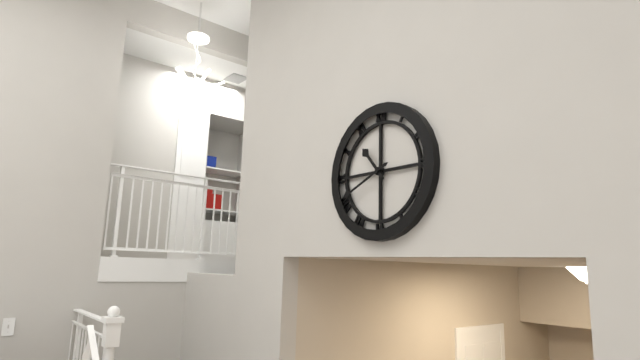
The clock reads 10,41
